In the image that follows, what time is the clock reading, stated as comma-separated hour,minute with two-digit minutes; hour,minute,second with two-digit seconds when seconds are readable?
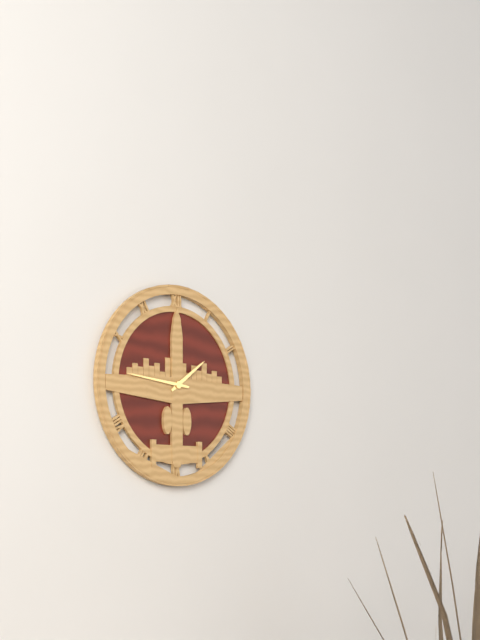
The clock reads 1,46
